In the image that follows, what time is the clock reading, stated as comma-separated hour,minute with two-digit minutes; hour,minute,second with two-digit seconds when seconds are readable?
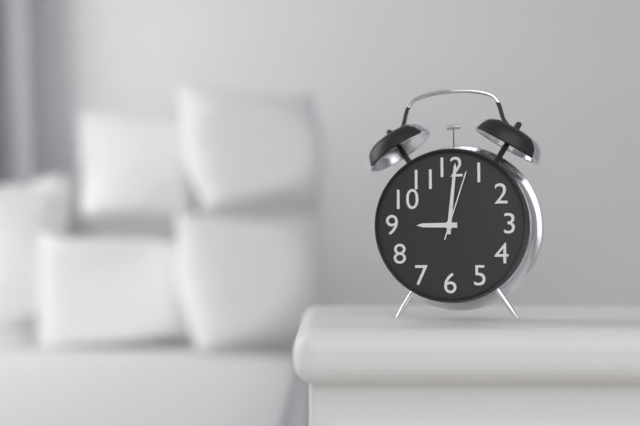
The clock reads 9,01,03
